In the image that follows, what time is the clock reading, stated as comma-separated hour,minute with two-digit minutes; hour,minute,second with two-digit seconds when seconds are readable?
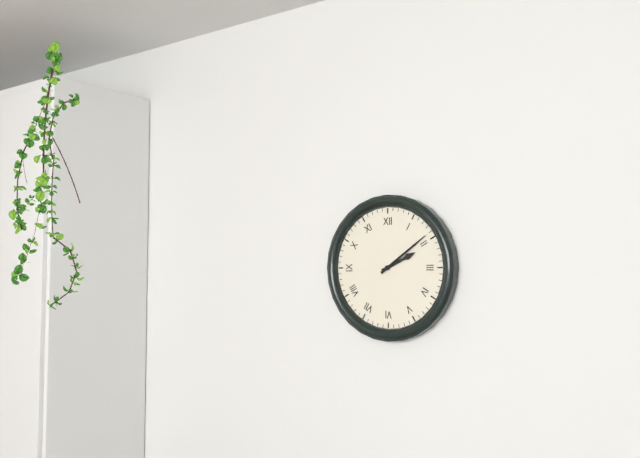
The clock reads 2,09
